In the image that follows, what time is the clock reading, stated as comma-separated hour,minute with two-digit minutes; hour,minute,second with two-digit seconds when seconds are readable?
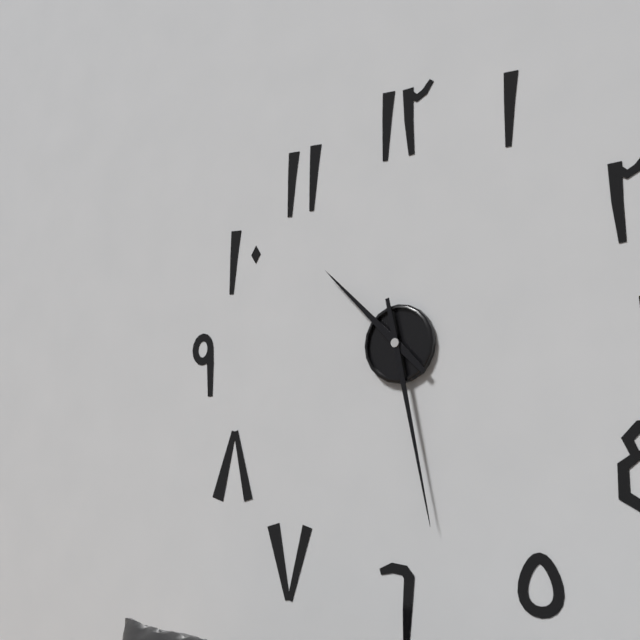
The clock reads 10,28
